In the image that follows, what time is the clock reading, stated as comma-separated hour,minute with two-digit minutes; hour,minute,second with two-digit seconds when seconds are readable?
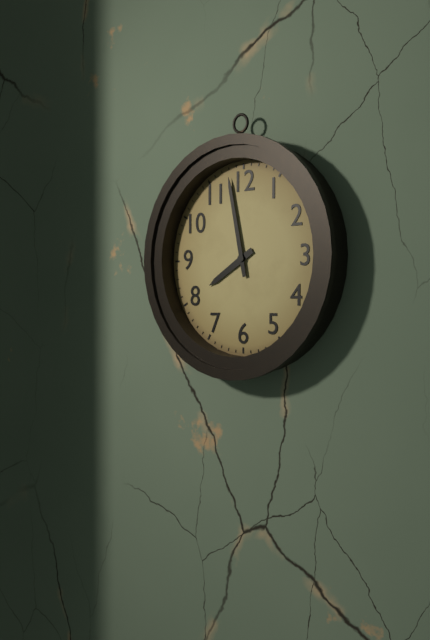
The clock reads 7,58
